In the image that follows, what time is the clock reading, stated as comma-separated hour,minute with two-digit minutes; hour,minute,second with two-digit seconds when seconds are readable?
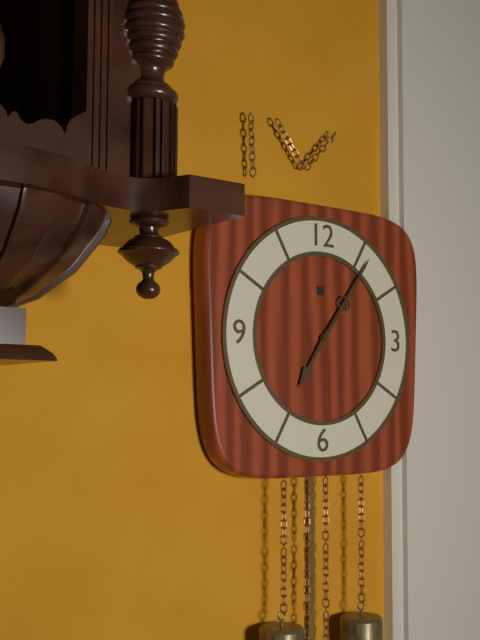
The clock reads 7,06
